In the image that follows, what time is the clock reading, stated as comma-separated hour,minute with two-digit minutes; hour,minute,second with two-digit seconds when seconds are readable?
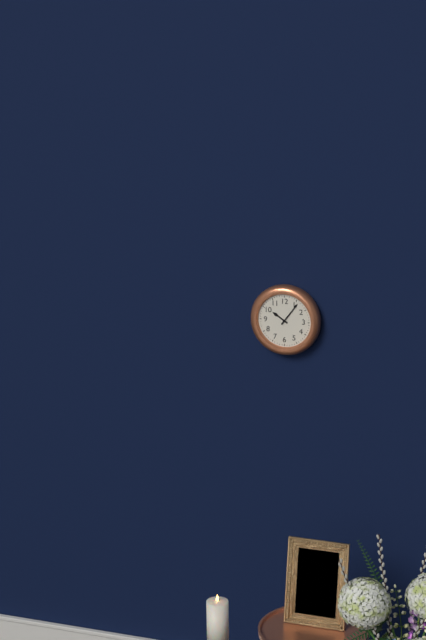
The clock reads 10,06
